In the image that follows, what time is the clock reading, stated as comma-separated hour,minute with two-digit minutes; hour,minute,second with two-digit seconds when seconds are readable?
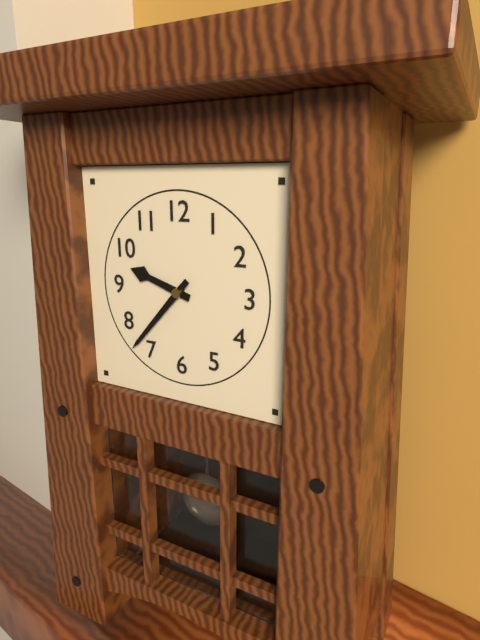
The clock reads 9,37
